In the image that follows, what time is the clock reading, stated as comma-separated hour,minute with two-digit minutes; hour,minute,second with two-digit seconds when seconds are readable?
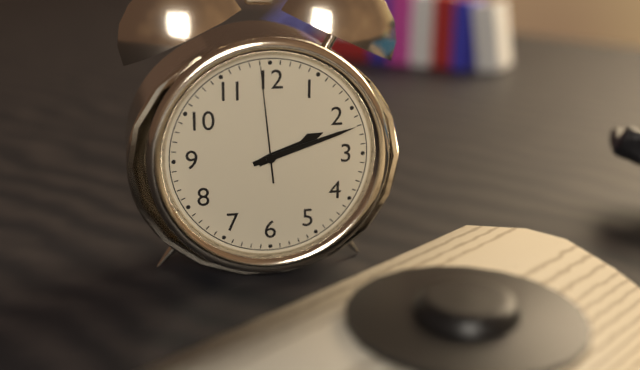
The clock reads 2,12,59
